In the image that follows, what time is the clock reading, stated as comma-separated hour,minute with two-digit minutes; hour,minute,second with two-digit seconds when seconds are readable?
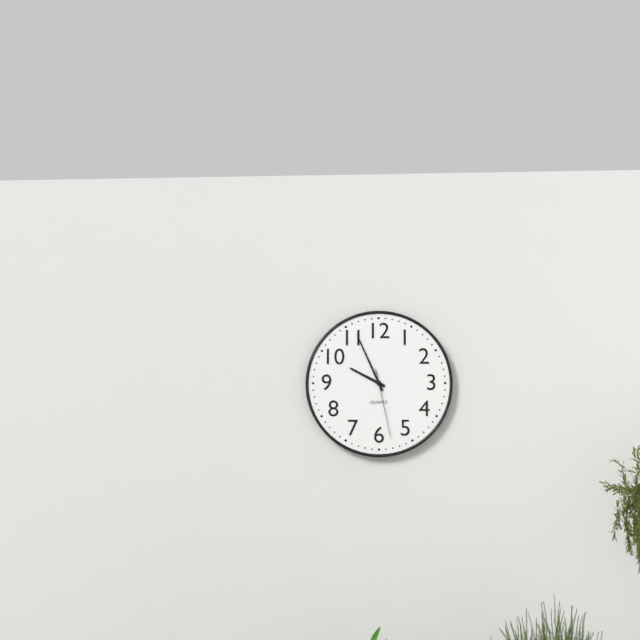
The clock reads 9,56,28
